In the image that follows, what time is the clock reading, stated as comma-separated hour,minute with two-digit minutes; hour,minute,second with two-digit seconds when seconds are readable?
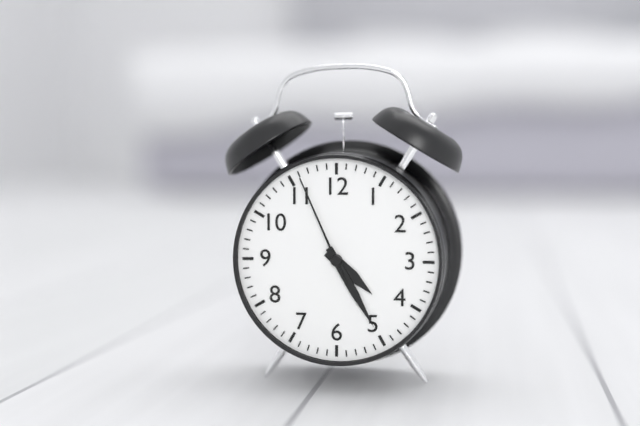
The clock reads 4,25,56
